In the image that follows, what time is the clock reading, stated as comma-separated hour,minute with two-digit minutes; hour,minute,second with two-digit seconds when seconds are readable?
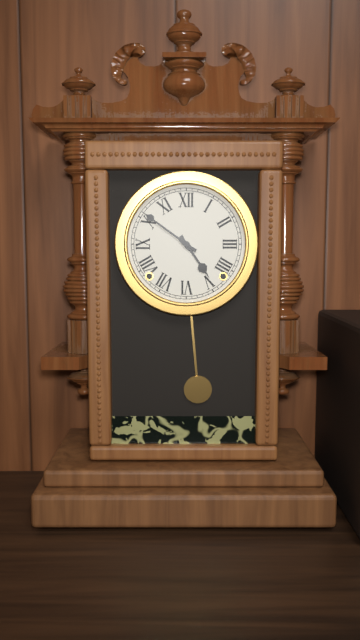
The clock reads 4,51
